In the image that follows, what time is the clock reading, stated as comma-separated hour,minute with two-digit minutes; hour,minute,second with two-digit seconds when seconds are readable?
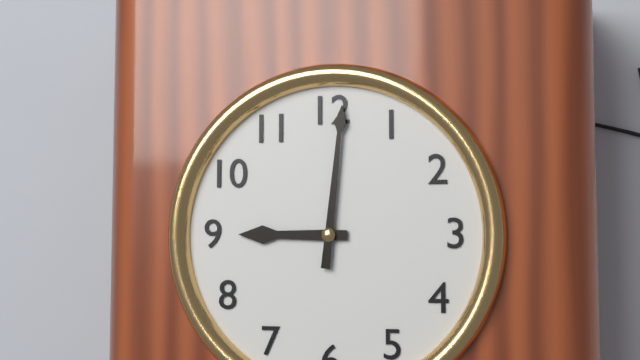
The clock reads 9,01
